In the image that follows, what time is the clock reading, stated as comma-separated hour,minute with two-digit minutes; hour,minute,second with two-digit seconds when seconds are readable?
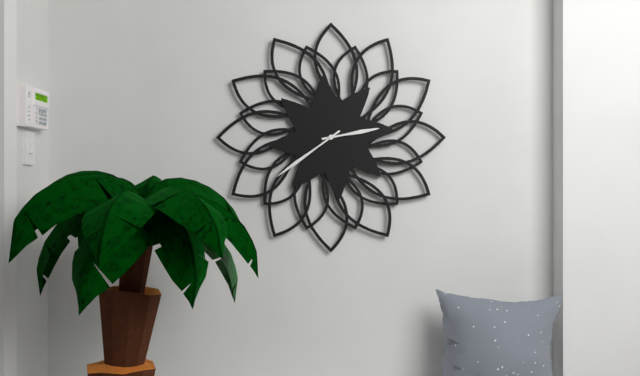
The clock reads 2,39
